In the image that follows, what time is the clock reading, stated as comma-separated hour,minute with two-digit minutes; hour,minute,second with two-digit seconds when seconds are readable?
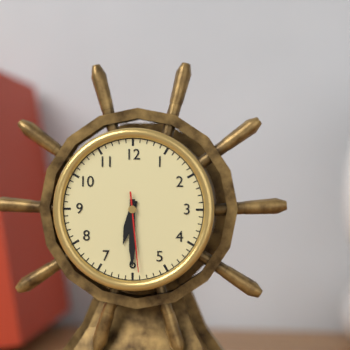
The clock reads 6,30,29
